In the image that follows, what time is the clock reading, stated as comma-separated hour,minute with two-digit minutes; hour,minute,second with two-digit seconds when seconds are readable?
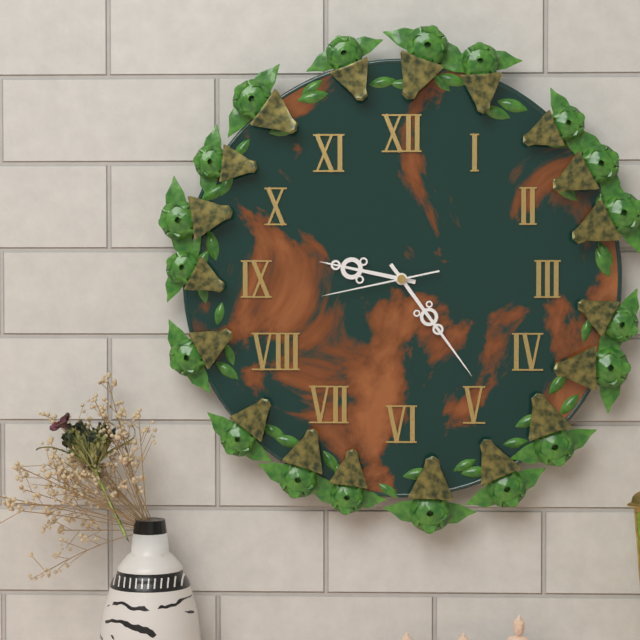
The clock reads 9,24,43
